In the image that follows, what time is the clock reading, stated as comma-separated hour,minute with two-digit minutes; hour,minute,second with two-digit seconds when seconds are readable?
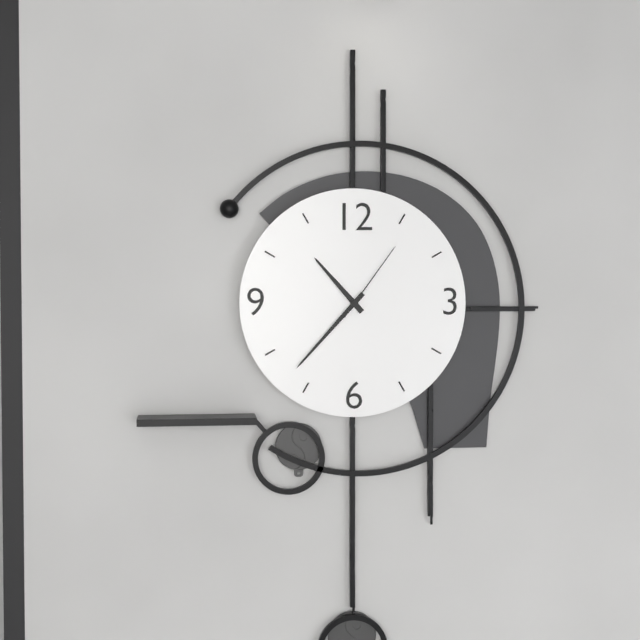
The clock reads 10,37,06
